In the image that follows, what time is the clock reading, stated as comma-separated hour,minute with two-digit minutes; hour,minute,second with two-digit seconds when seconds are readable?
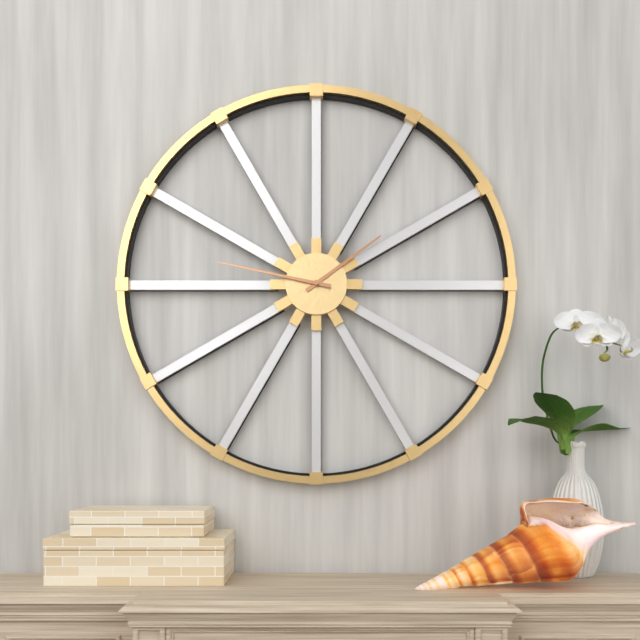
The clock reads 1,47
